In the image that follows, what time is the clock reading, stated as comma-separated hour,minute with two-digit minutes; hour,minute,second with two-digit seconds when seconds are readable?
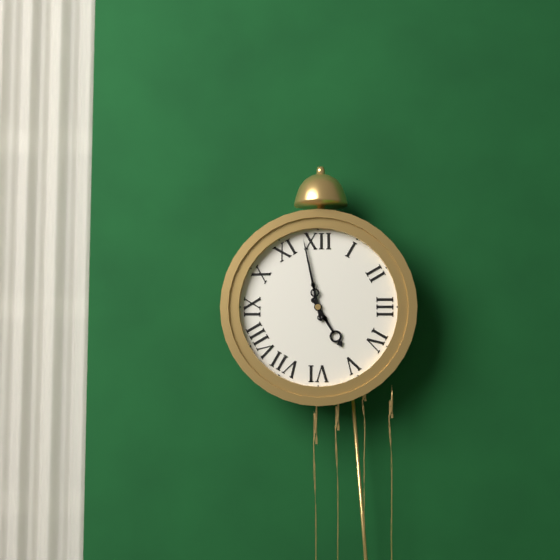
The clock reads 4,58
